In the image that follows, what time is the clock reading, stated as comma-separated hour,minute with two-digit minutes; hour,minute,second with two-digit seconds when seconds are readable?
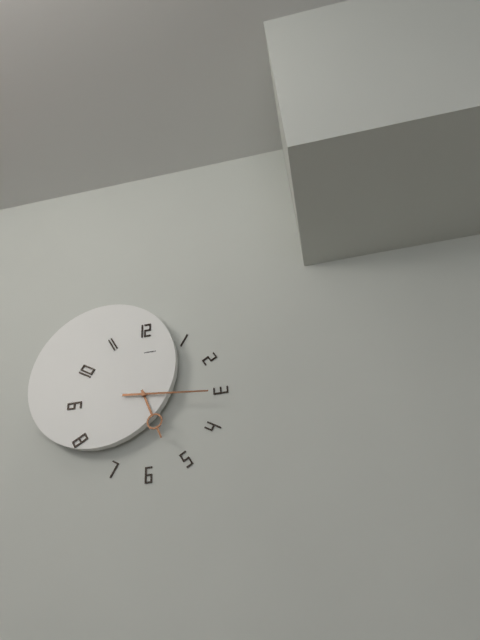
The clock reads 5,16
